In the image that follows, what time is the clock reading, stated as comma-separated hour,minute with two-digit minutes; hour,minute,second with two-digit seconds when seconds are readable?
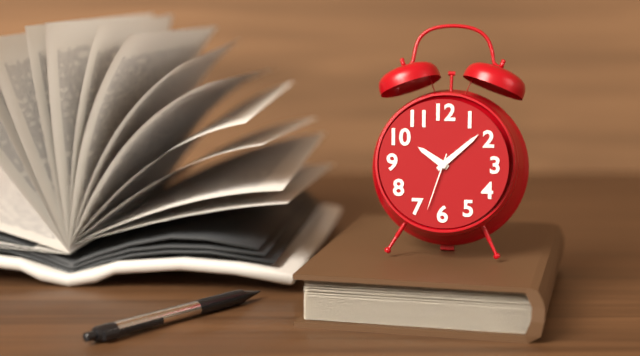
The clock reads 10,08,33
